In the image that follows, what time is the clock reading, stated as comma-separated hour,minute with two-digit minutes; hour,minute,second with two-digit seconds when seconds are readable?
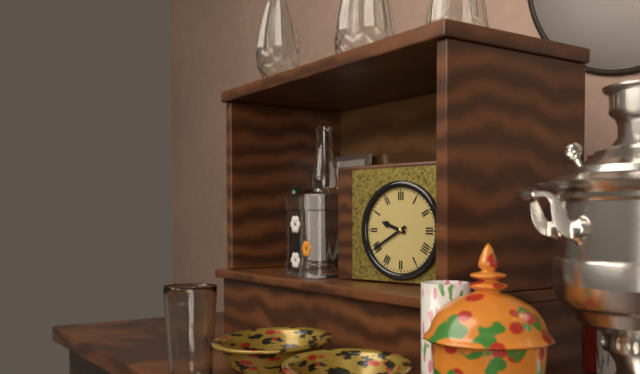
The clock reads 9,40
